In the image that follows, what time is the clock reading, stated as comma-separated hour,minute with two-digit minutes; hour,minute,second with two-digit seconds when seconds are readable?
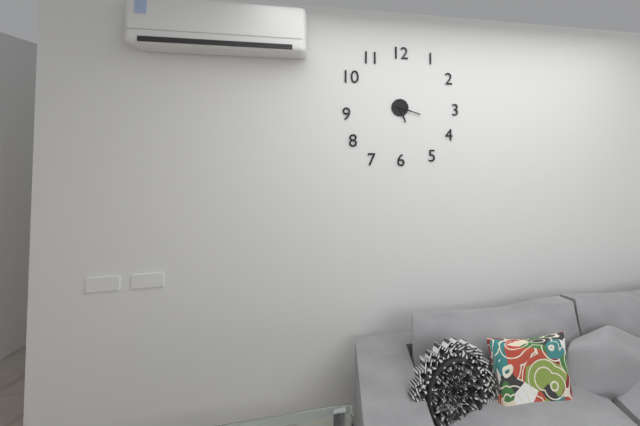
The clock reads 5,18
